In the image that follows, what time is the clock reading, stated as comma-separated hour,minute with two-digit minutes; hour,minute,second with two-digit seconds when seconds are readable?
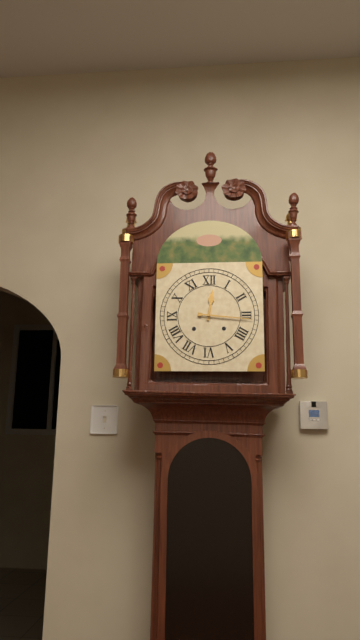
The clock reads 12,16
